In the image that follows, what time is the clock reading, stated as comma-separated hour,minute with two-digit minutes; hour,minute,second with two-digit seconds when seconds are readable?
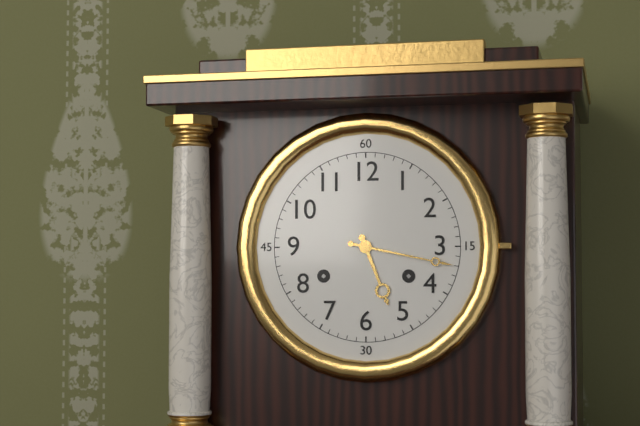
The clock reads 5,17
